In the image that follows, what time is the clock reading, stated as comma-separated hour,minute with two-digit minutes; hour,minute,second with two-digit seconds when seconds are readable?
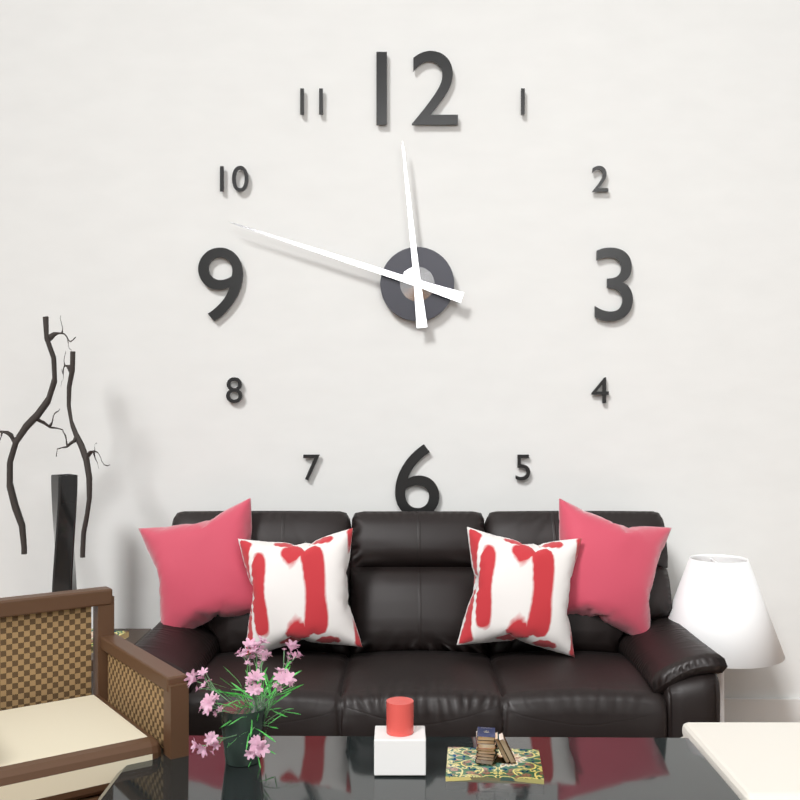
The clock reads 11,48
